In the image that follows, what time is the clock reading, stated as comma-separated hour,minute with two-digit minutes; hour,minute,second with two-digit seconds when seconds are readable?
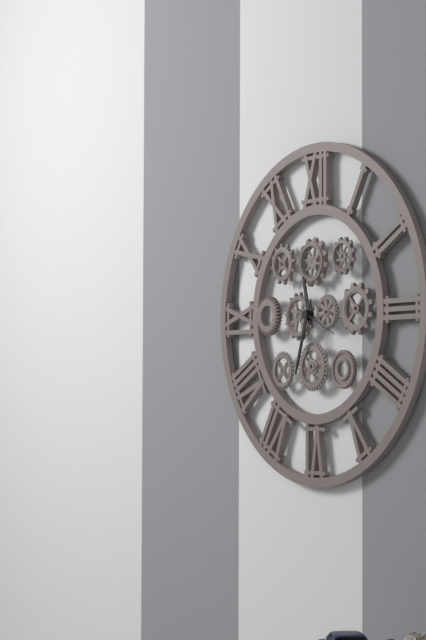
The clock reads 11,33
